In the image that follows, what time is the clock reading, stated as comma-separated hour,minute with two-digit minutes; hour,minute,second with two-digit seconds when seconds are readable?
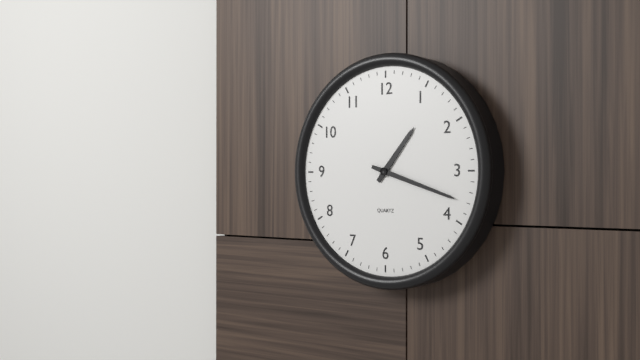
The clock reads 1,18
